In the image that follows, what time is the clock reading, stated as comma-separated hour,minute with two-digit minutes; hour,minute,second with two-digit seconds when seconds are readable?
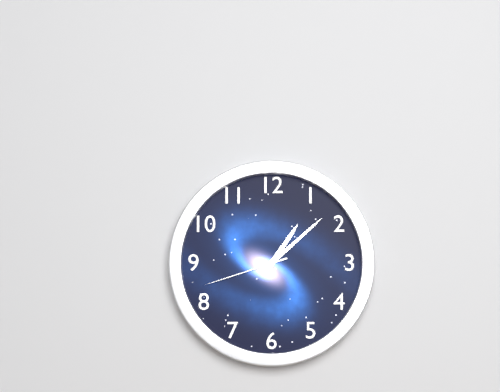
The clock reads 1,08,42
